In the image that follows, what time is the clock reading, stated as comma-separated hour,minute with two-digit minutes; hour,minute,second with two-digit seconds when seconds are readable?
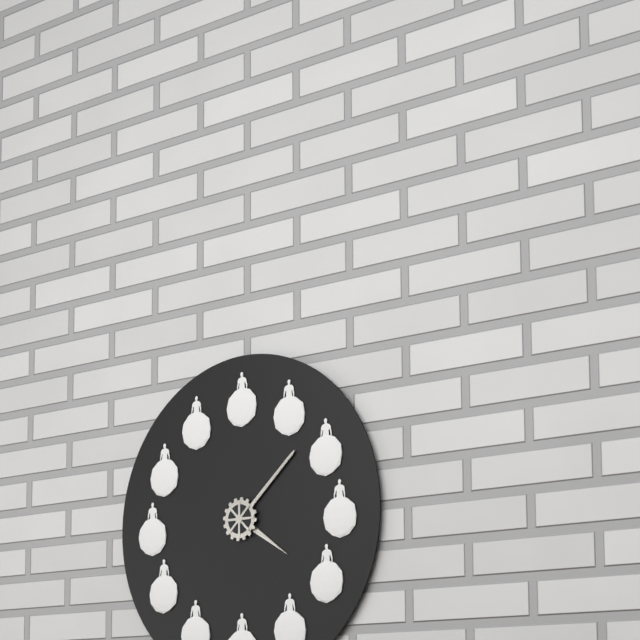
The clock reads 4,08
